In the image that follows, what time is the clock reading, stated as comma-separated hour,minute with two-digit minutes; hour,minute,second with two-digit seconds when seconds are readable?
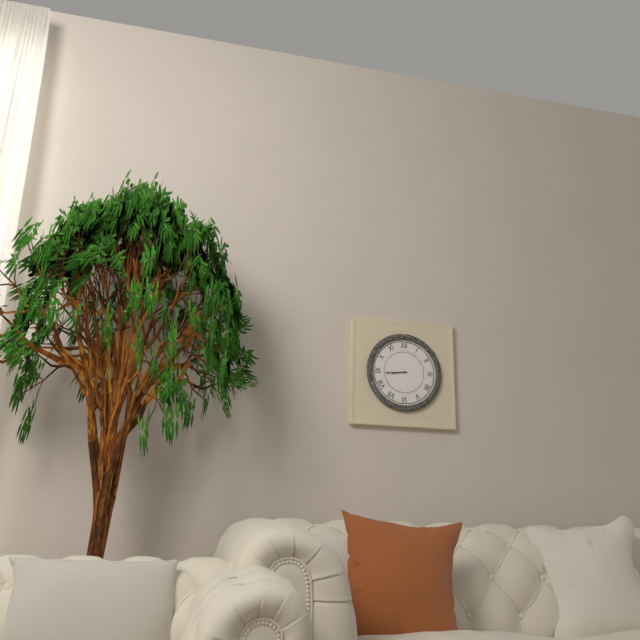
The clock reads 8,44
